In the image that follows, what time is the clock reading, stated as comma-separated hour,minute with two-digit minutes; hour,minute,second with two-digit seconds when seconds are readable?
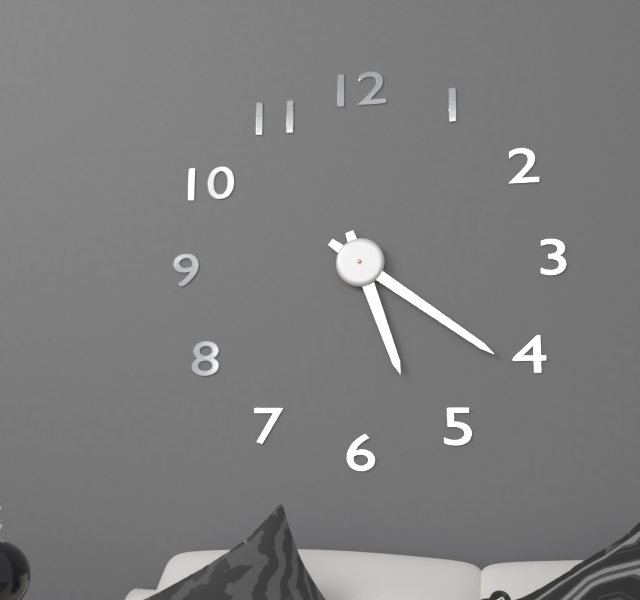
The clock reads 5,21
